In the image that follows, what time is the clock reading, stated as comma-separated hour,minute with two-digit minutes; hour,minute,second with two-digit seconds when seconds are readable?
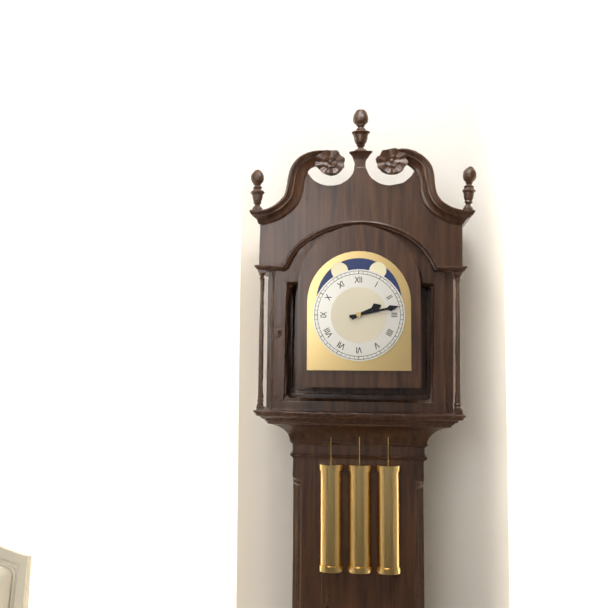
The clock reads 2,13
